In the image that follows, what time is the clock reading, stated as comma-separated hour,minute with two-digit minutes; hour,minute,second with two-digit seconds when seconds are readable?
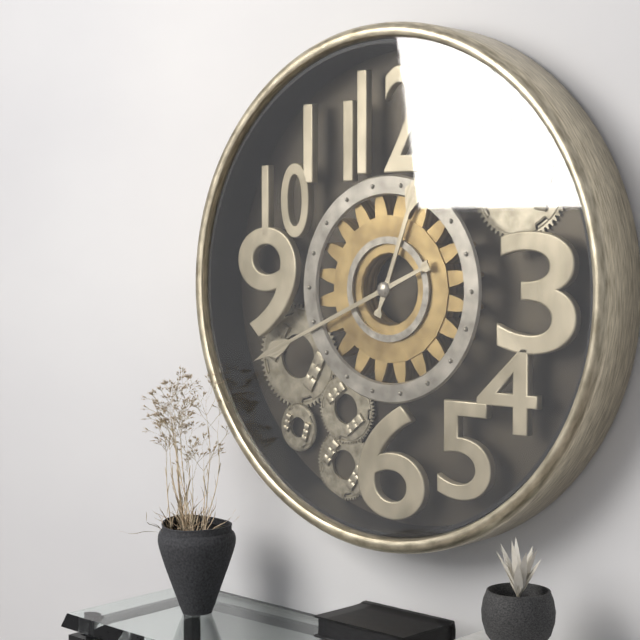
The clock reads 12,41
